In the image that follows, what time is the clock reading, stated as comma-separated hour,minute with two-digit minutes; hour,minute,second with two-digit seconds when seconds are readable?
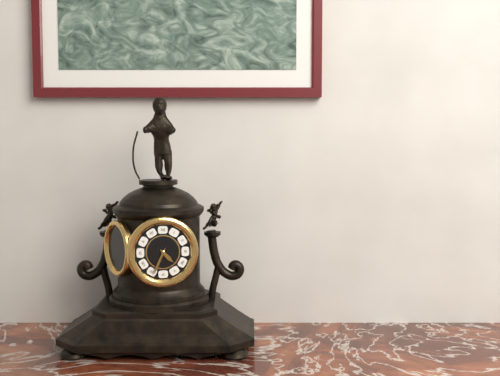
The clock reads 4,34
